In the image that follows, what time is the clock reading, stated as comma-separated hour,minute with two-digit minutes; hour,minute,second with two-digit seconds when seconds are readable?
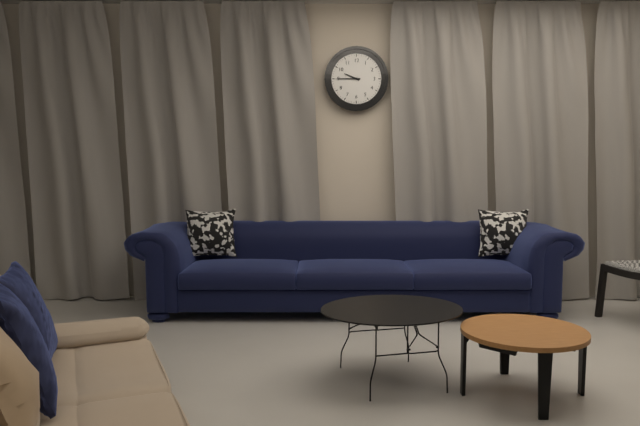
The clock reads 9,45
